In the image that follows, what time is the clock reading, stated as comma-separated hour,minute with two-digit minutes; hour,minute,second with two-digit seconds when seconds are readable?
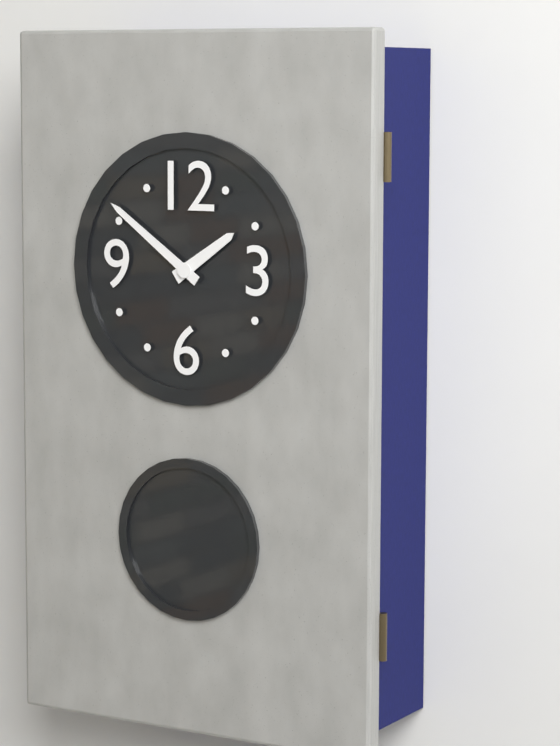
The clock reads 1,51
